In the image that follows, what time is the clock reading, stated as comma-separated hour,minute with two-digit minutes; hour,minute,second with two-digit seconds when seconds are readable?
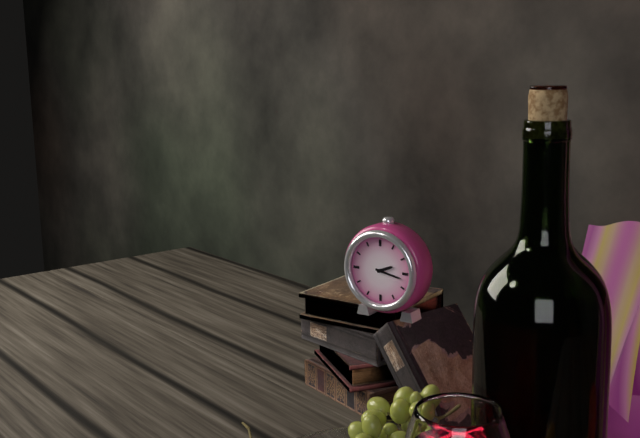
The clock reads 2,17
